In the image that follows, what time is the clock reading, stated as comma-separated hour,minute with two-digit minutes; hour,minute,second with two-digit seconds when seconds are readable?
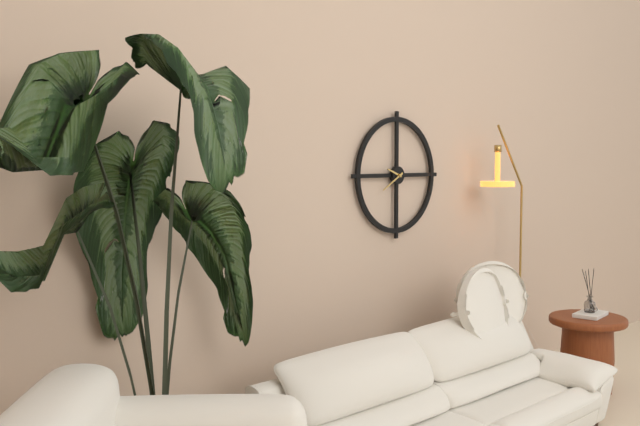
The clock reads 9,40
